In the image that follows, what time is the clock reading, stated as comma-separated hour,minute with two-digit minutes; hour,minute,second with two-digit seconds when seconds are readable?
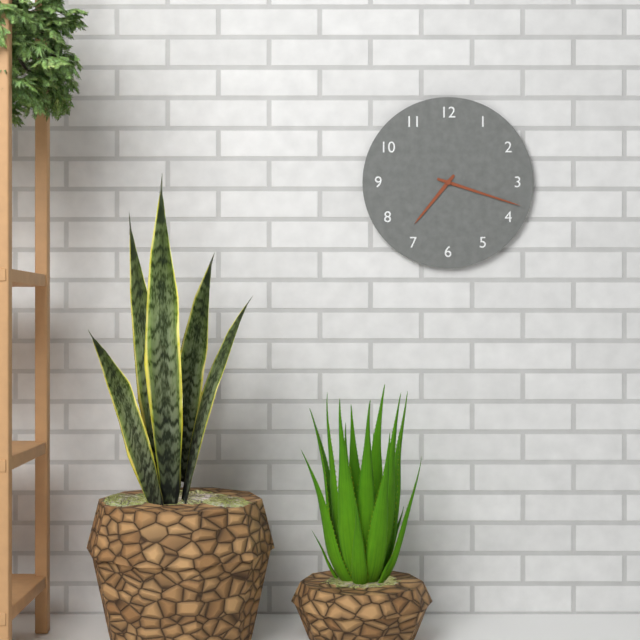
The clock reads 7,18
